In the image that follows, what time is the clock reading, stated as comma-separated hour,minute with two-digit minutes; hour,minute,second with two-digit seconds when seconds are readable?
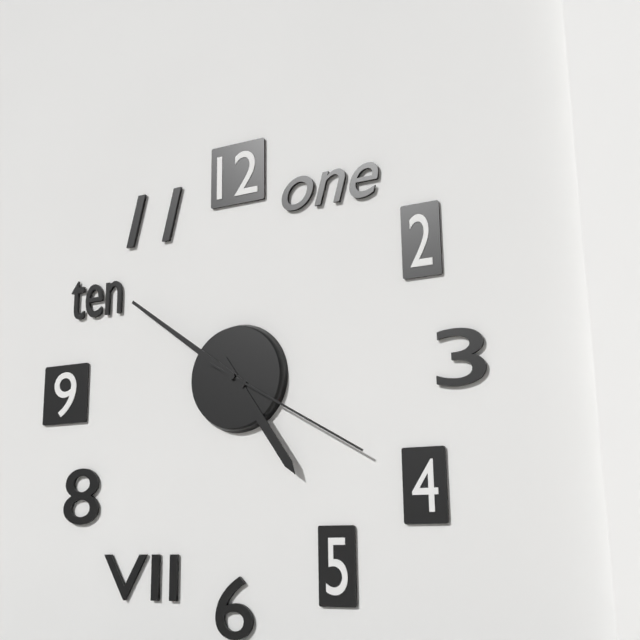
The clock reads 4,51,20
